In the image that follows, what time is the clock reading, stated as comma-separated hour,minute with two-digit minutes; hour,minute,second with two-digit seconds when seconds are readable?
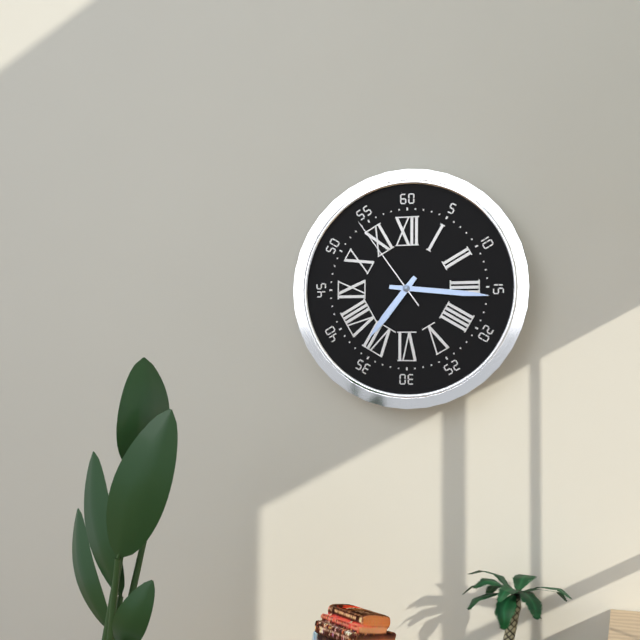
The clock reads 7,16,54
